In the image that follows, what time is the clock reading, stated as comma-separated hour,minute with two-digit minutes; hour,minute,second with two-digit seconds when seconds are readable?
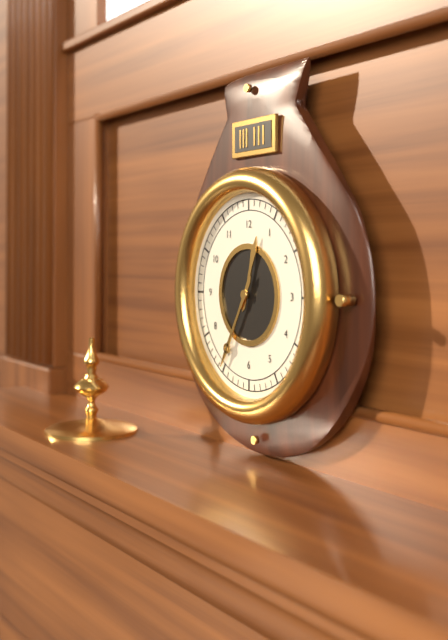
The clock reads 12,35
